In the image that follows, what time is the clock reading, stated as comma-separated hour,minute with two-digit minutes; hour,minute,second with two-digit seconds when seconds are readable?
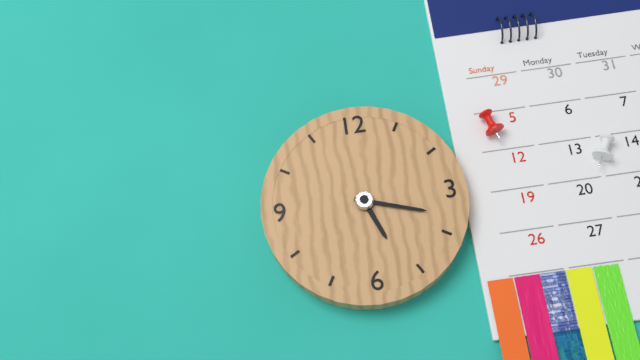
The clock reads 5,18
